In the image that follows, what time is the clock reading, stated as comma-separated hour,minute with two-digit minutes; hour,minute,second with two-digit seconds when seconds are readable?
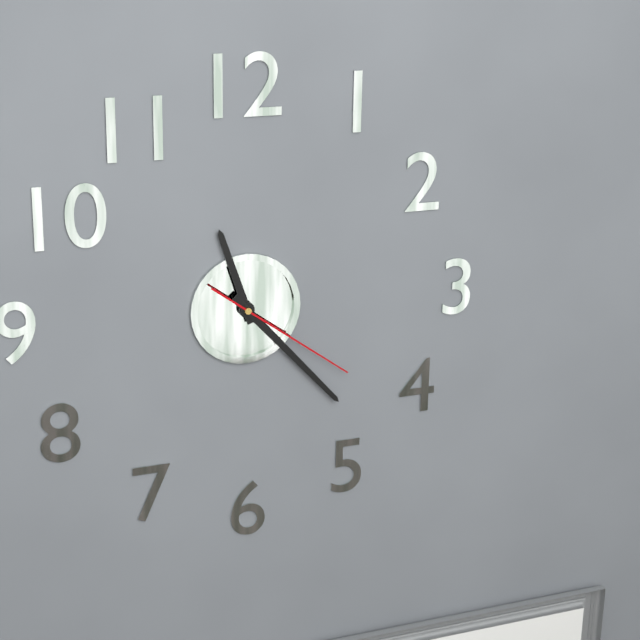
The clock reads 11,23,21
